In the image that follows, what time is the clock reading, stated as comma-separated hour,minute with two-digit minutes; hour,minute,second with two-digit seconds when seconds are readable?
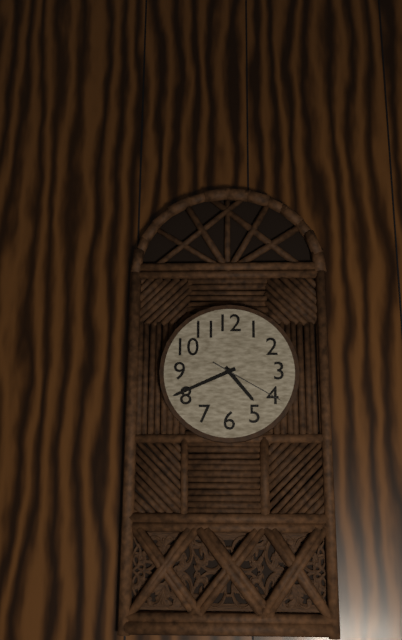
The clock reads 4,41,20
